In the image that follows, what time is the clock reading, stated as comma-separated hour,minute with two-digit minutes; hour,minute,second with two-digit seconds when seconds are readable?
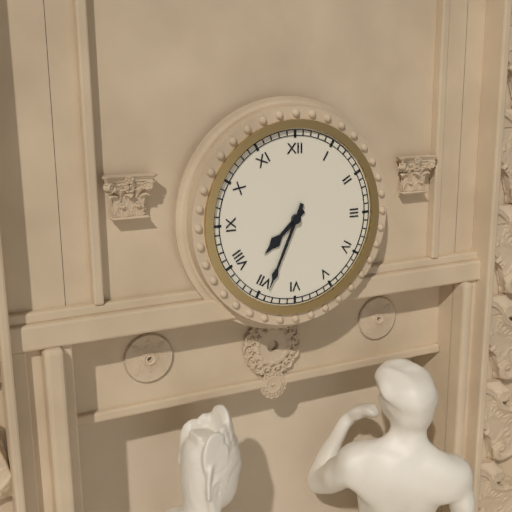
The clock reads 7,34
